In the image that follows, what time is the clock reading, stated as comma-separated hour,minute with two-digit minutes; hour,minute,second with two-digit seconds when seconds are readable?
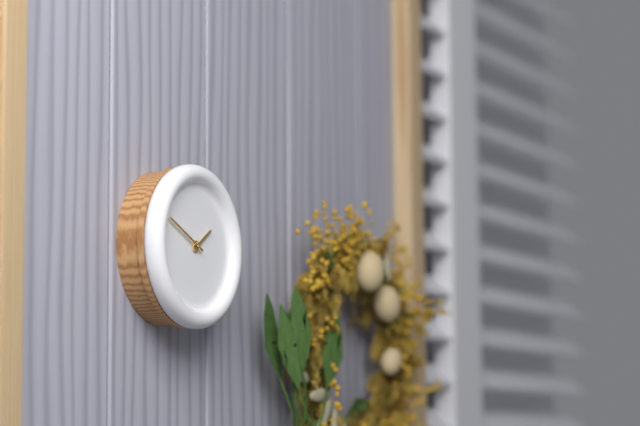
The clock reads 1,49
